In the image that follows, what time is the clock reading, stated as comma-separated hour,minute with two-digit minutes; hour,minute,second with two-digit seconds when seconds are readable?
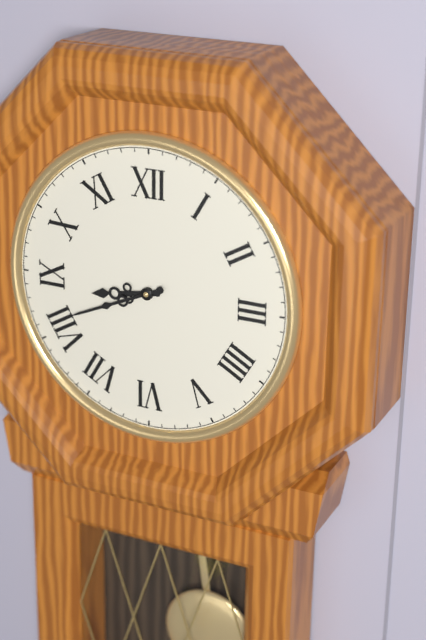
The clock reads 8,41
